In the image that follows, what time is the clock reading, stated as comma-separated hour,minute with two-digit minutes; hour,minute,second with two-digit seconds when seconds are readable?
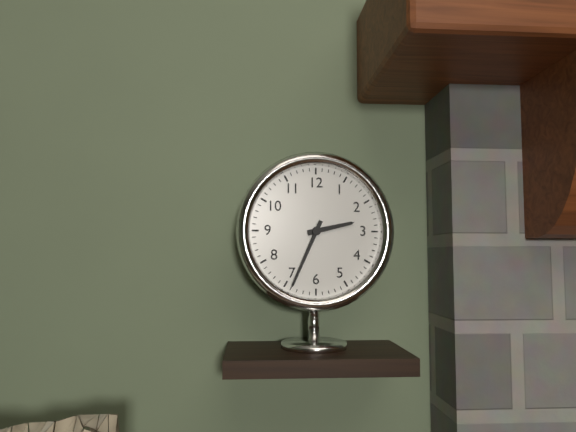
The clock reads 2,34
